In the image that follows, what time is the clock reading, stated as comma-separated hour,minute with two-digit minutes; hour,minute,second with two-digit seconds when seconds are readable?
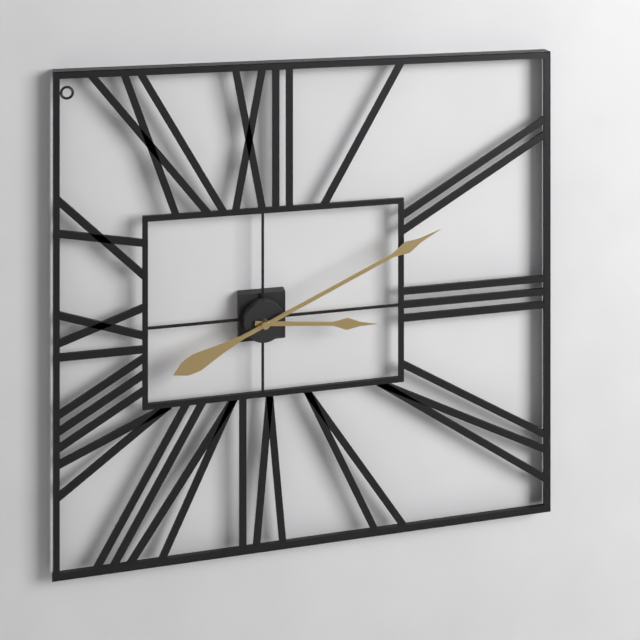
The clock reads 3,11
